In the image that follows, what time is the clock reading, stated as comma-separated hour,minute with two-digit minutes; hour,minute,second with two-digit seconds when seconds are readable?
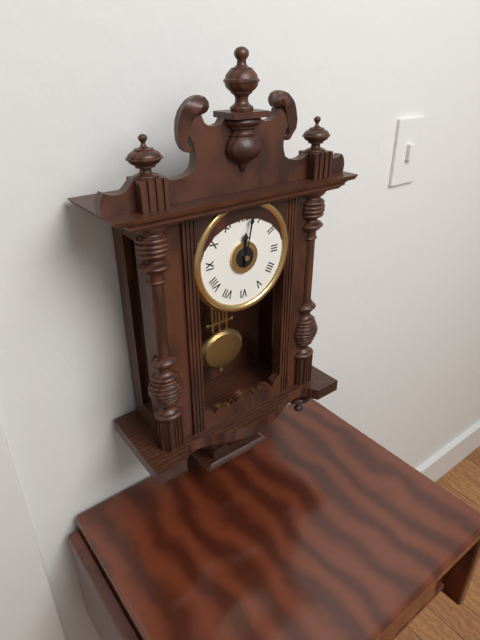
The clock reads 12,02
